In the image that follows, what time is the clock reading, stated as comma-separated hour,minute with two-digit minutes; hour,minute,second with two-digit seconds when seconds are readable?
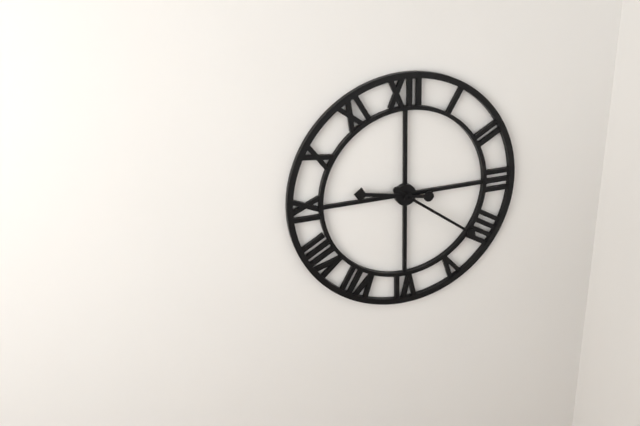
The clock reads 9,21
